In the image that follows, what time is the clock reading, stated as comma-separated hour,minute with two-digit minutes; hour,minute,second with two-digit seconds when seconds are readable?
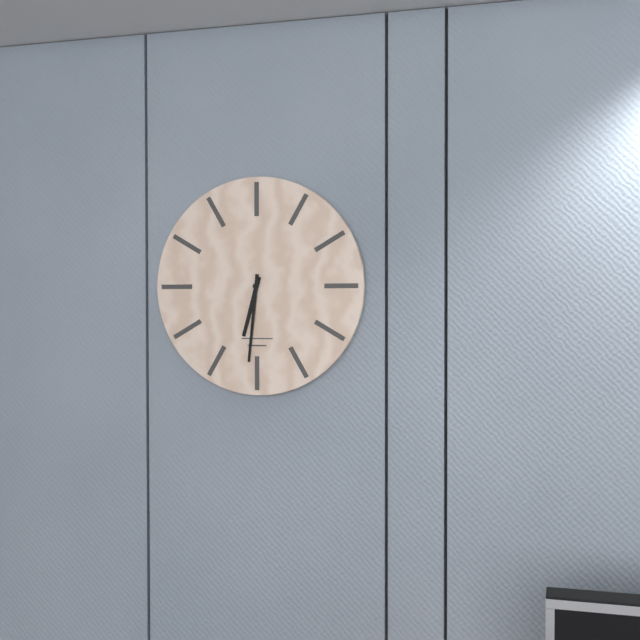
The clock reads 6,31
